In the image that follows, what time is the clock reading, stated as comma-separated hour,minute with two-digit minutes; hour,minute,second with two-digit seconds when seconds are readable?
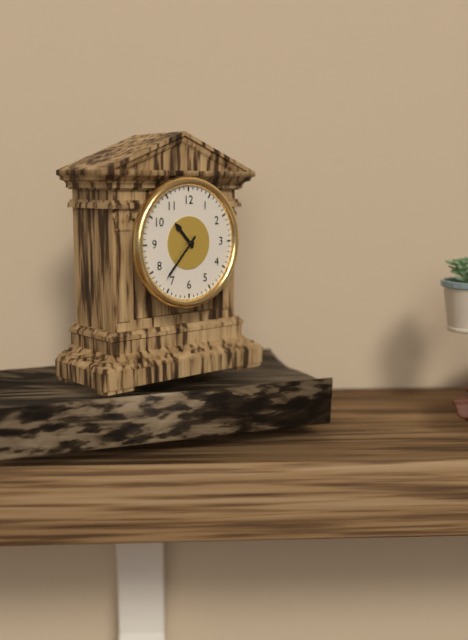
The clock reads 10,37
